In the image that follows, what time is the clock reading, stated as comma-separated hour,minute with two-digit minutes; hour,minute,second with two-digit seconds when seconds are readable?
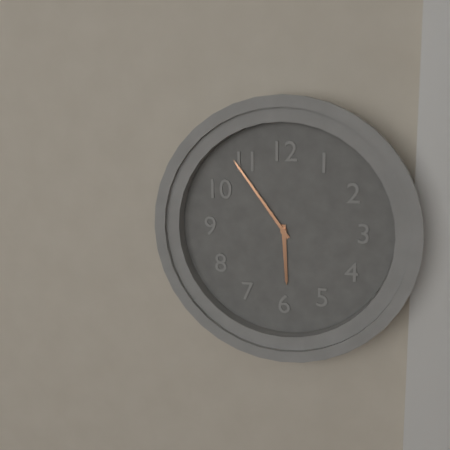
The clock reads 5,54
